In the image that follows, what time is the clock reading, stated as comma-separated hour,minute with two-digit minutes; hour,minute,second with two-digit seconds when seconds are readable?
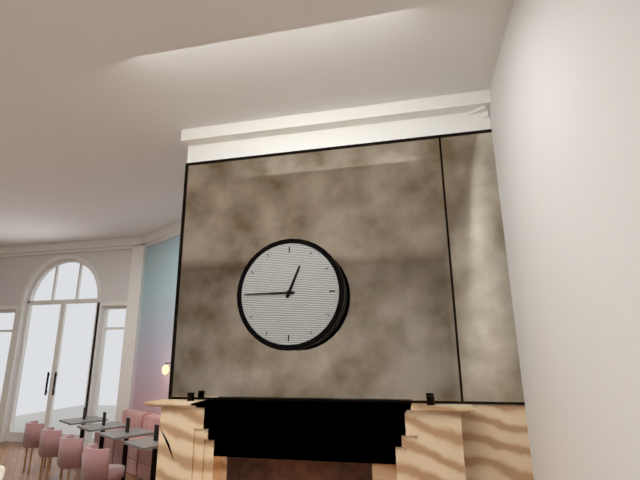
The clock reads 12,45
